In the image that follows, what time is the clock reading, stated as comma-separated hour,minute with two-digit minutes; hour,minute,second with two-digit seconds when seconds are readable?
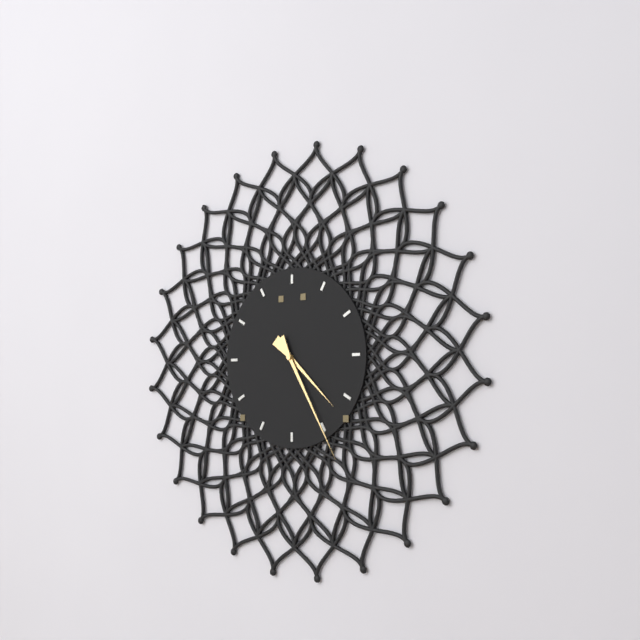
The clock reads 4,25
